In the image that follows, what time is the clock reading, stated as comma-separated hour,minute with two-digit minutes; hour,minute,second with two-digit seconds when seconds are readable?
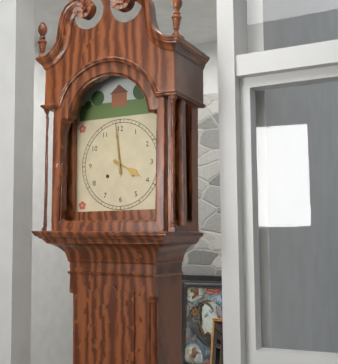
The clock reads 3,59
